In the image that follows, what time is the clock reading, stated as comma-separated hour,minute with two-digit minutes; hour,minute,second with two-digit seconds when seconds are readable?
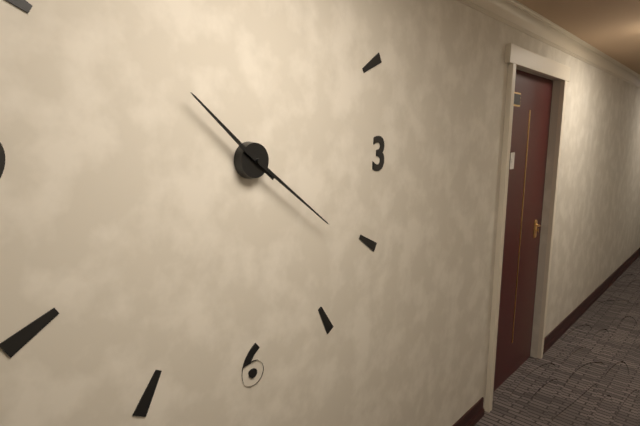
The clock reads 10,21
